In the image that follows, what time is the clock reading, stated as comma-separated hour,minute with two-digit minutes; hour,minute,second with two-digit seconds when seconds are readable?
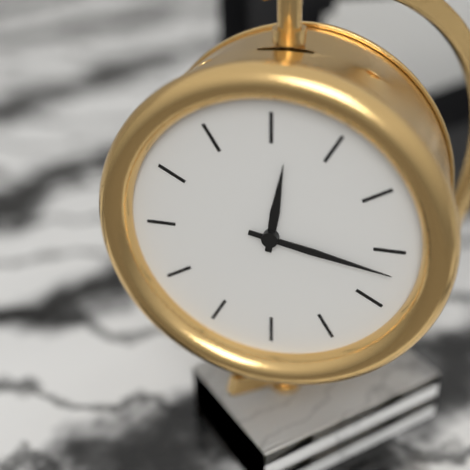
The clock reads 12,17
